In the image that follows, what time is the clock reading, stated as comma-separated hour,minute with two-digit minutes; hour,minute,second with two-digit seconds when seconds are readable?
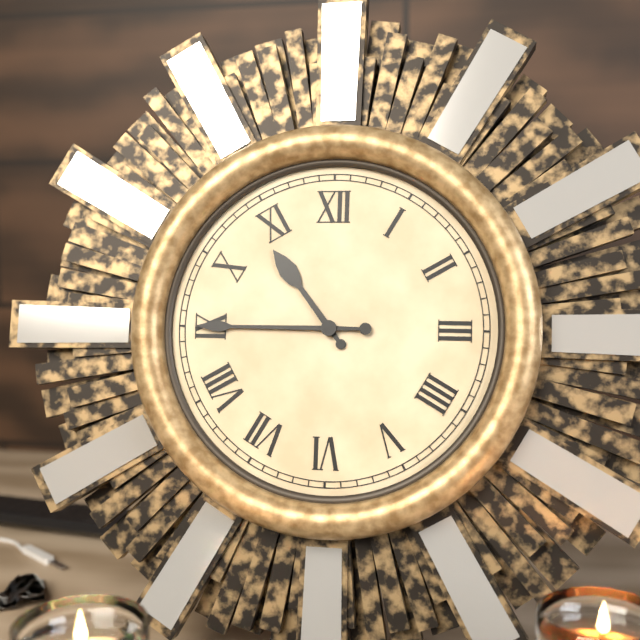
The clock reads 10,45
